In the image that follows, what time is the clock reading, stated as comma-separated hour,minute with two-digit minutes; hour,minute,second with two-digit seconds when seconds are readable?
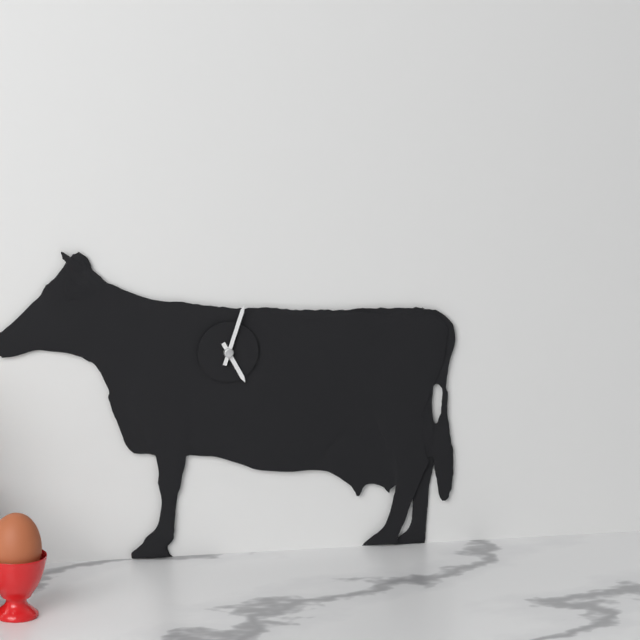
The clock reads 5,03
